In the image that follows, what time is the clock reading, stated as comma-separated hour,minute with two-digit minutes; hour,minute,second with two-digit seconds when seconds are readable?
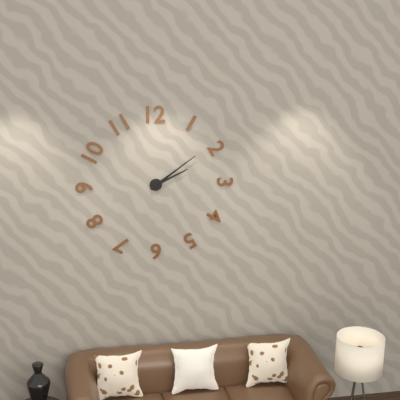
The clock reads 2,09
